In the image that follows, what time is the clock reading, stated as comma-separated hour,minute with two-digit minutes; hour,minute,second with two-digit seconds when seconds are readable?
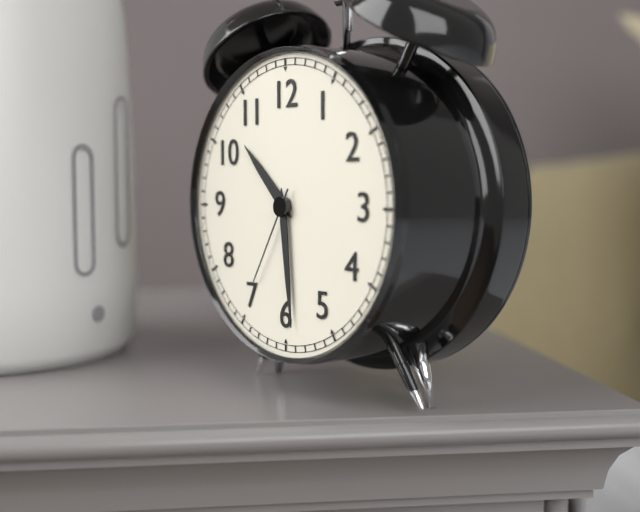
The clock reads 10,29,35
